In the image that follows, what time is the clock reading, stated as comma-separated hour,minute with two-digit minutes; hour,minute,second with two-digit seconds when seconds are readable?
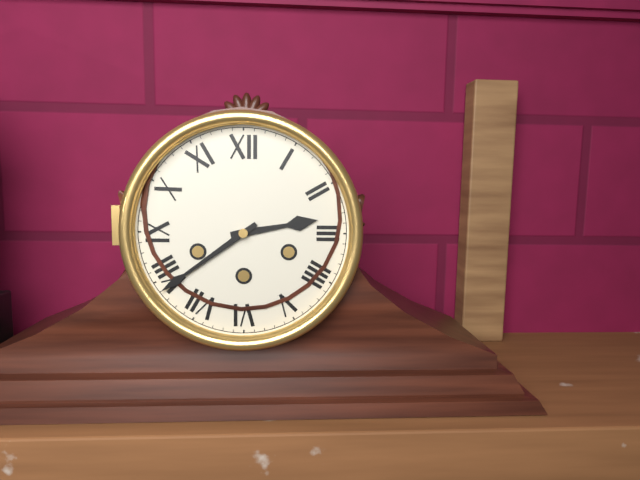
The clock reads 2,39
